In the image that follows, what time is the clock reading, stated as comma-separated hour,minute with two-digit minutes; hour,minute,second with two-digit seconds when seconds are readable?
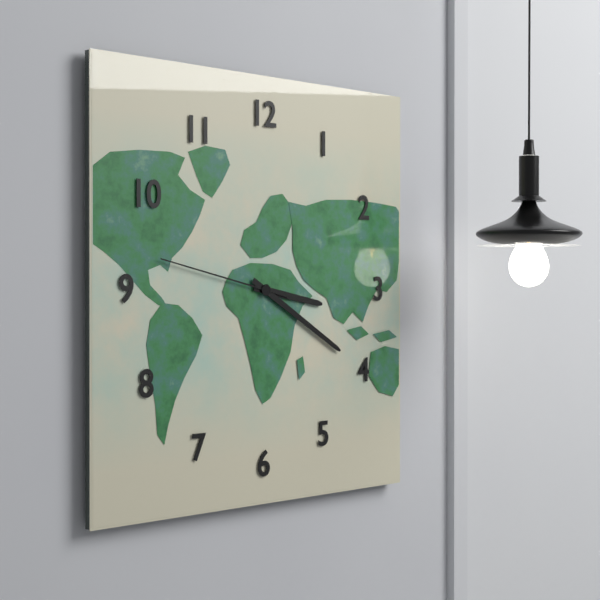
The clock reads 3,20,47
